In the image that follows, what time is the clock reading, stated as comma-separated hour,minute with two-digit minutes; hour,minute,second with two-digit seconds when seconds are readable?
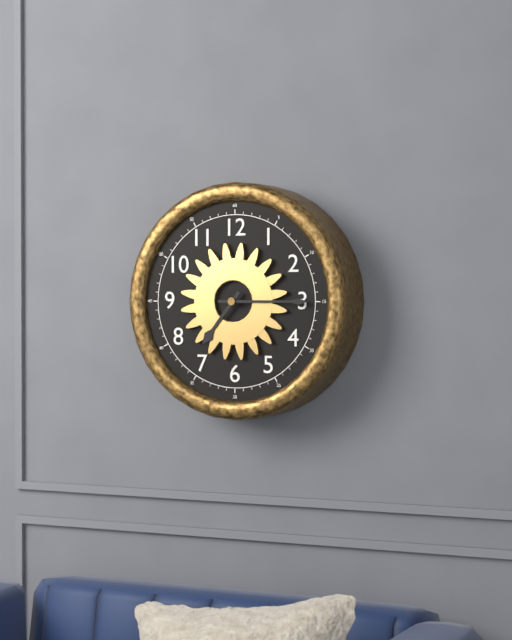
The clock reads 7,15
